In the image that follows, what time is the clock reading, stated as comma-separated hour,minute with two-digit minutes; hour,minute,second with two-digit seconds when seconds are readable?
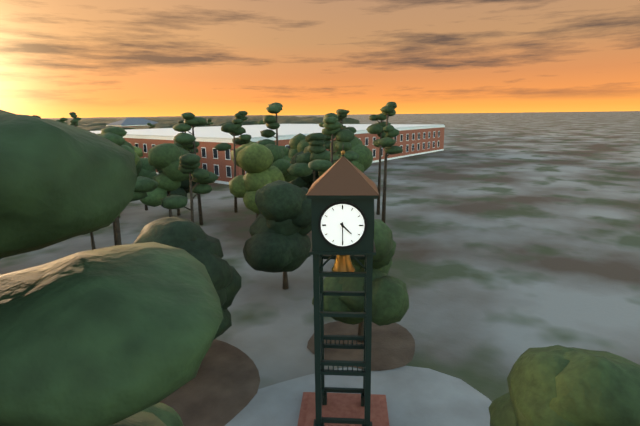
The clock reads 4,30
